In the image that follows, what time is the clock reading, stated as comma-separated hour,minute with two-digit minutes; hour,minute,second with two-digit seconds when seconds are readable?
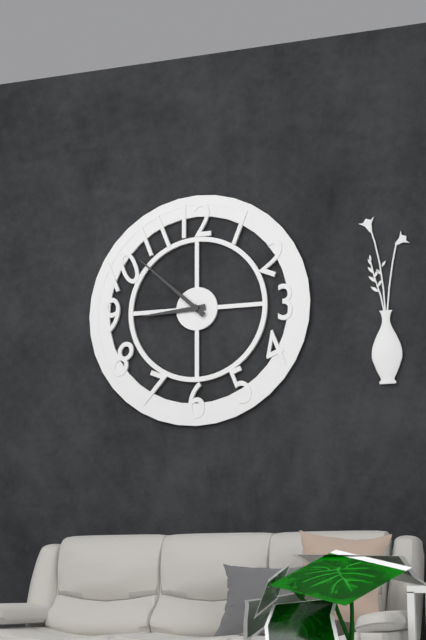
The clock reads 8,52
